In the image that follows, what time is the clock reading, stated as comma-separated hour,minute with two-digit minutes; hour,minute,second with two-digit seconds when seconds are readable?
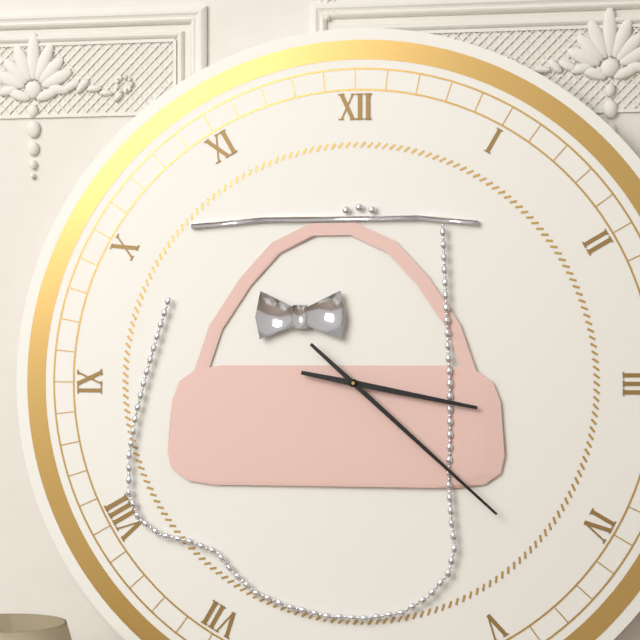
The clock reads 3,22
